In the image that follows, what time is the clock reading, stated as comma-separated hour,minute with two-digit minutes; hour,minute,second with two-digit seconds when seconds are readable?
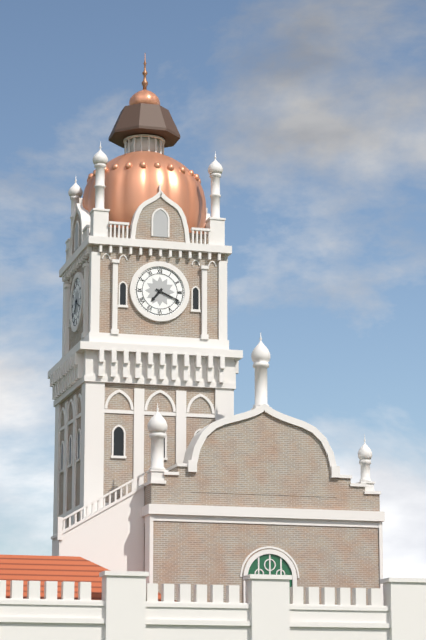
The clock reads 7,19
